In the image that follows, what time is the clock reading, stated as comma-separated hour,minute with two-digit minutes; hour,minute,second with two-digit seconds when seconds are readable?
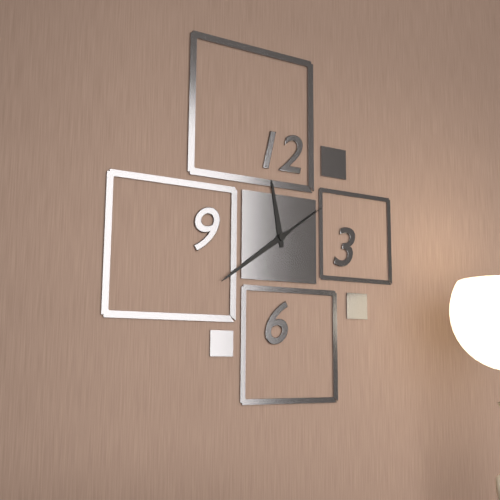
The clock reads 11,39,09
